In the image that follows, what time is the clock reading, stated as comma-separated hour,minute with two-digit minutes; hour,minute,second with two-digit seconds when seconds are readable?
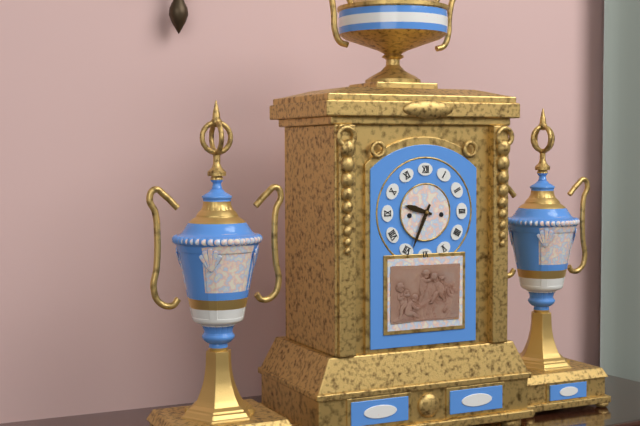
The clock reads 9,34
